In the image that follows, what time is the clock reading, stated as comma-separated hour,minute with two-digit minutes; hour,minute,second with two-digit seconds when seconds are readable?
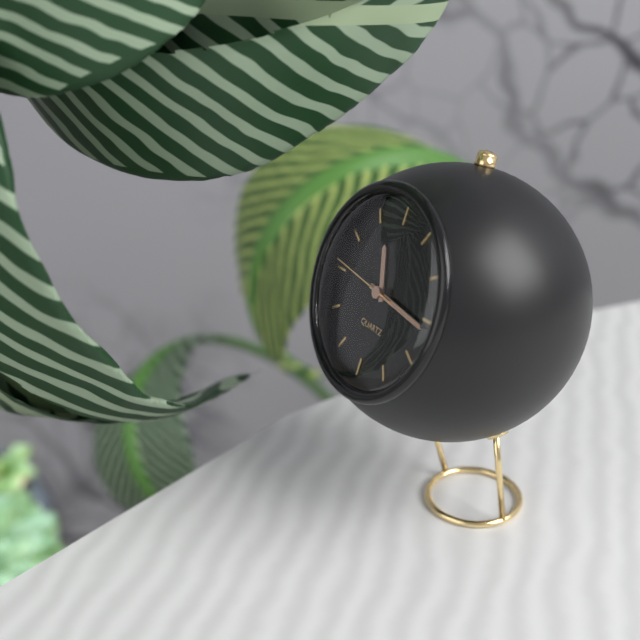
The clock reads 11,16,46
